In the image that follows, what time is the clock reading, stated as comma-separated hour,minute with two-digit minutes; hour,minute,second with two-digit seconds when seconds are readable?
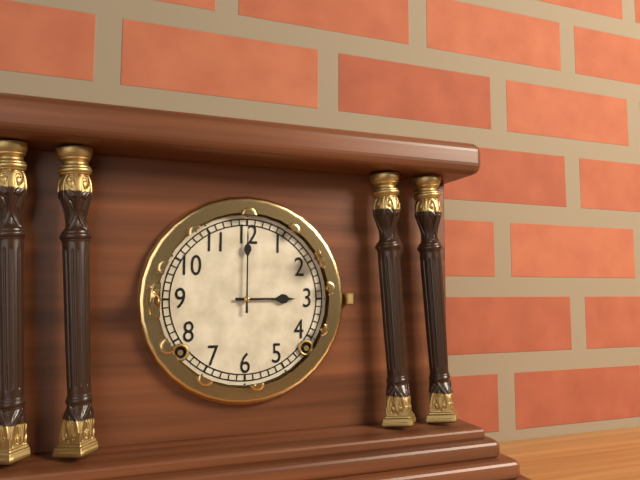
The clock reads 3,00
